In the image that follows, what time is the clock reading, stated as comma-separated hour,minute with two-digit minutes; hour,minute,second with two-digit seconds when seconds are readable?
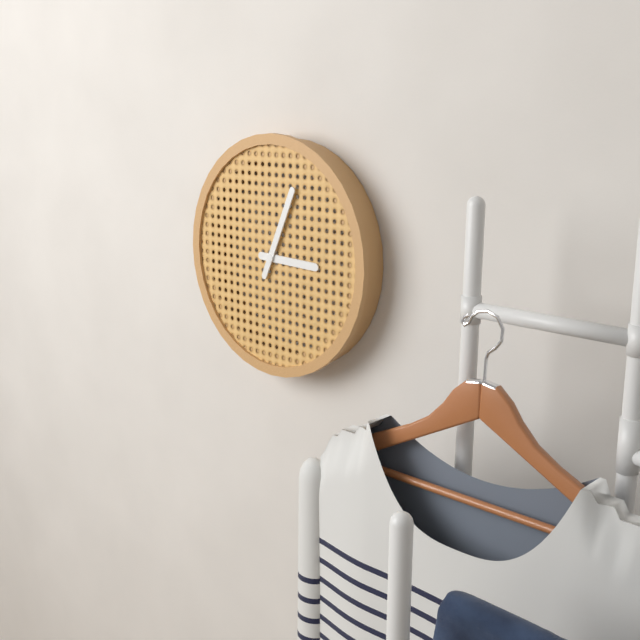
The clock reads 3,04
